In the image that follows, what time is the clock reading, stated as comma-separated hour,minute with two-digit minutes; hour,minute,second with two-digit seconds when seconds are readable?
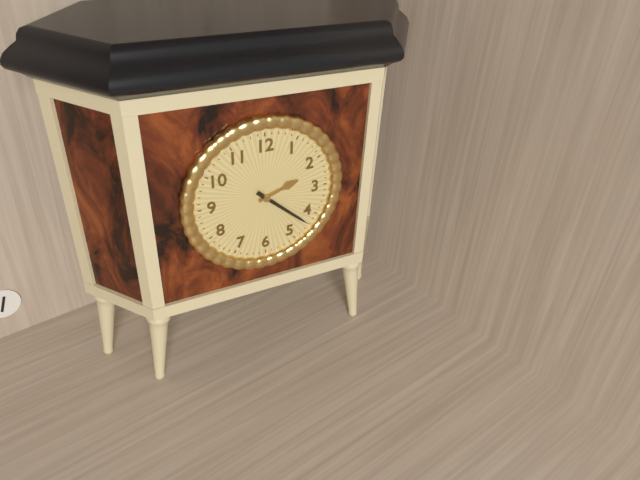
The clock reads 2,22
